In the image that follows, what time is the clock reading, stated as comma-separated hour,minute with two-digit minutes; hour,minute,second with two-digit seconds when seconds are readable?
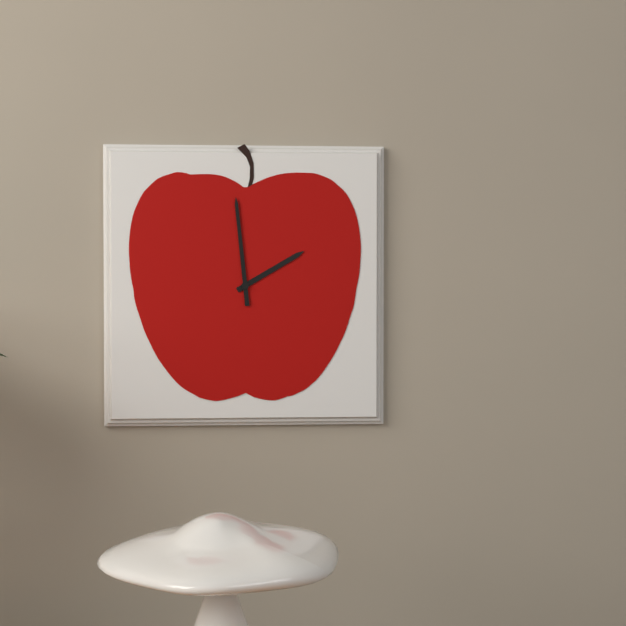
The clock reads 1,59
